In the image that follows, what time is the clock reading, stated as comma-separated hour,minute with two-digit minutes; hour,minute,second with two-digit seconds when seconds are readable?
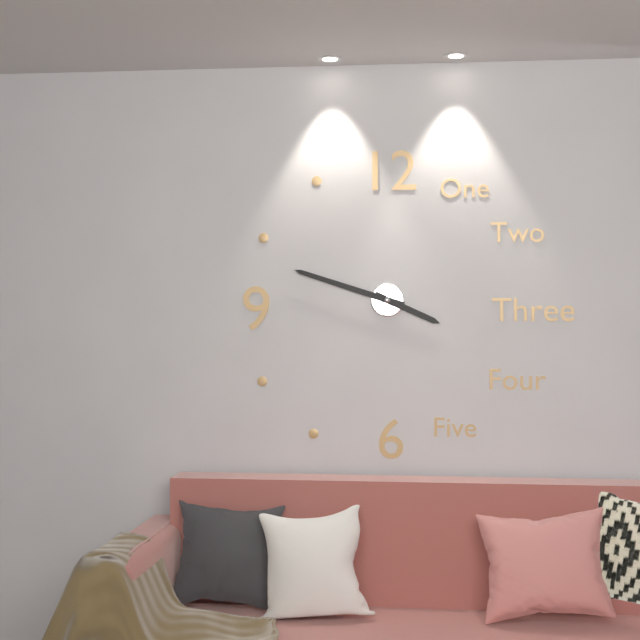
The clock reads 3,48
